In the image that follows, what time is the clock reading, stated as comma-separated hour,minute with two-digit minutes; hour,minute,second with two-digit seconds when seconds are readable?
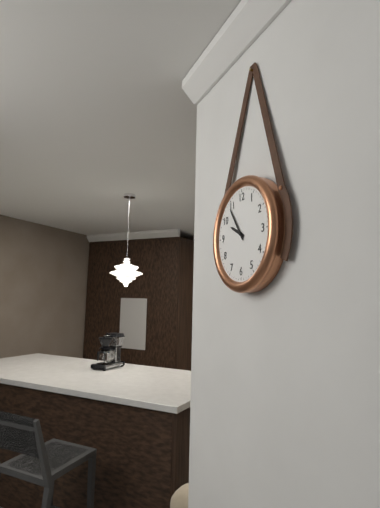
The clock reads 9,54
